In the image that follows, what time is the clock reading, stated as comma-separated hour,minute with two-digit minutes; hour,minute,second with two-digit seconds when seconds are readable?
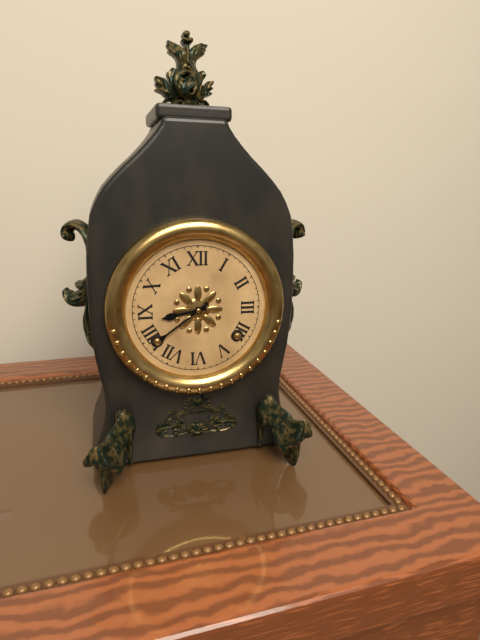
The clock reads 8,39
